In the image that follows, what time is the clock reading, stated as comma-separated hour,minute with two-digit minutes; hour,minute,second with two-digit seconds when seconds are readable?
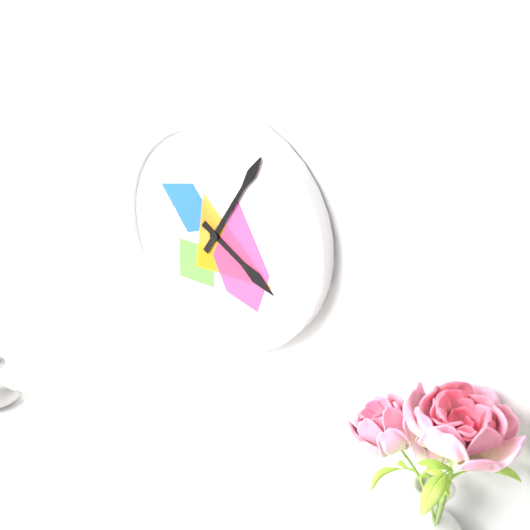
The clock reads 4,05
